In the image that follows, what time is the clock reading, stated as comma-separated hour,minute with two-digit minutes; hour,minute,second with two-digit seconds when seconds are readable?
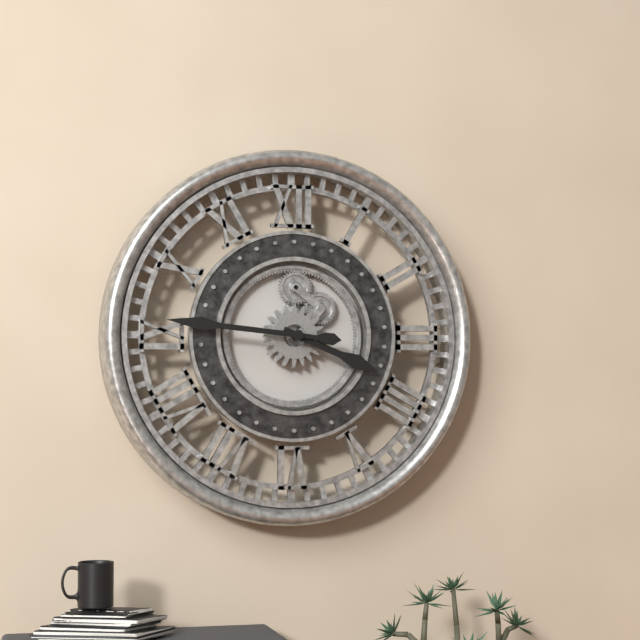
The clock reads 3,46
